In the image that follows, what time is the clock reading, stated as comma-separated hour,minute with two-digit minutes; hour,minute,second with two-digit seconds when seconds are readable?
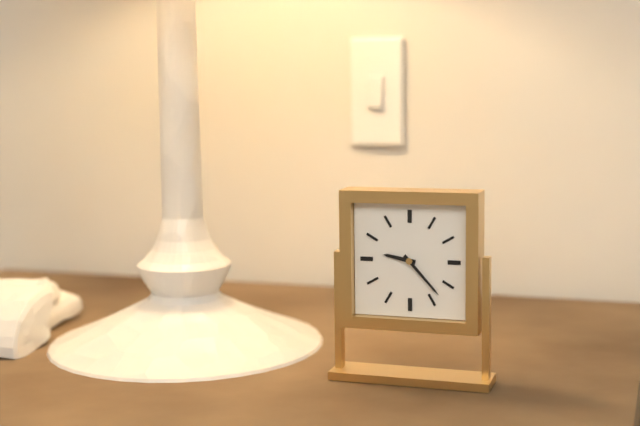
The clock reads 9,23
